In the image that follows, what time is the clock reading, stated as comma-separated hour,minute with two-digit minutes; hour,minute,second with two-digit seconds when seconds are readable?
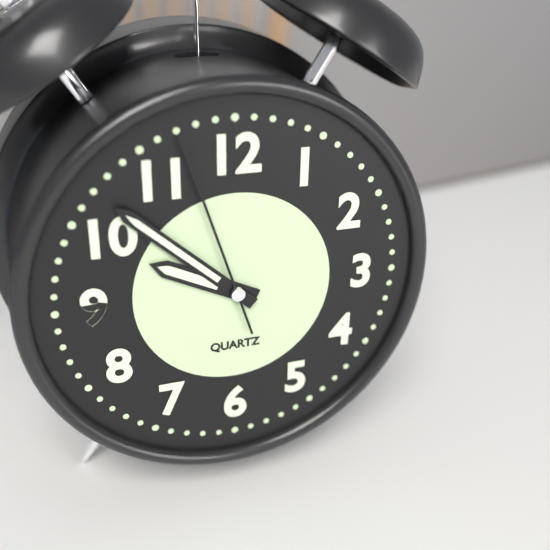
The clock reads 9,52,57
